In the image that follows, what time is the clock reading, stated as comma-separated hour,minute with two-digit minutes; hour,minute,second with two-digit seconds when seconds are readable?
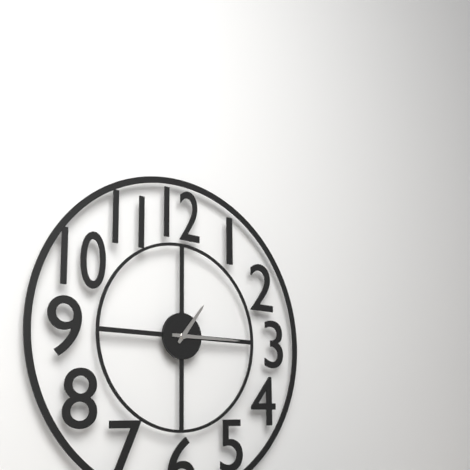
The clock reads 1,15
